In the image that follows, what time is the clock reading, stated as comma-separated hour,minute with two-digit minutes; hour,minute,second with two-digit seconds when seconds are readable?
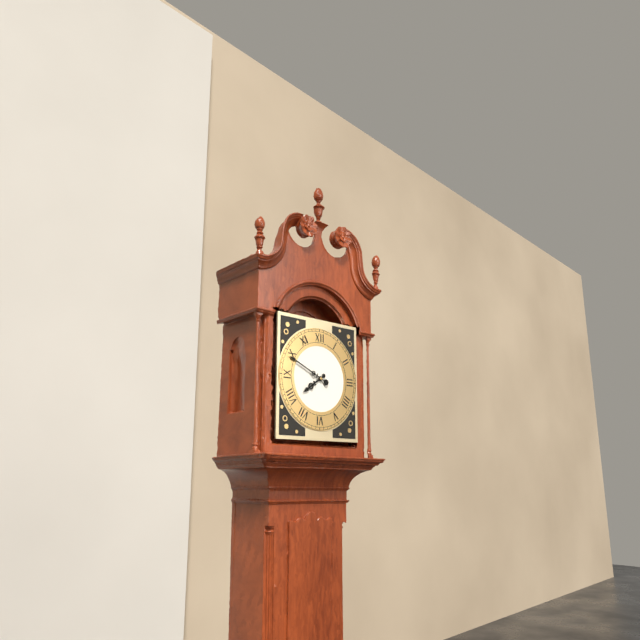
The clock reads 7,49
